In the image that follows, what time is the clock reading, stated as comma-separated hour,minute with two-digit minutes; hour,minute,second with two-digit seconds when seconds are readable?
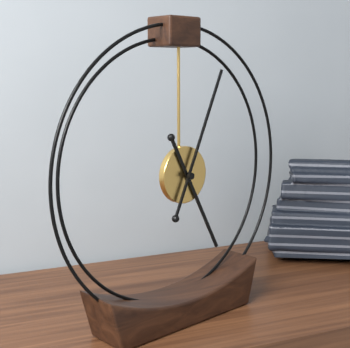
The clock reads 5,04
